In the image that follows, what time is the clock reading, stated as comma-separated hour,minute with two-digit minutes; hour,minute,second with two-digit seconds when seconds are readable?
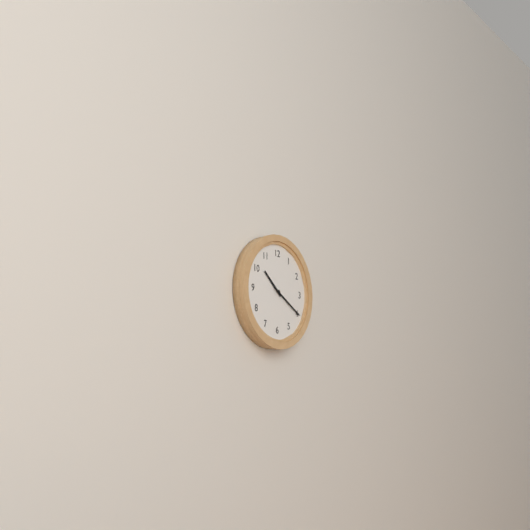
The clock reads 10,20
